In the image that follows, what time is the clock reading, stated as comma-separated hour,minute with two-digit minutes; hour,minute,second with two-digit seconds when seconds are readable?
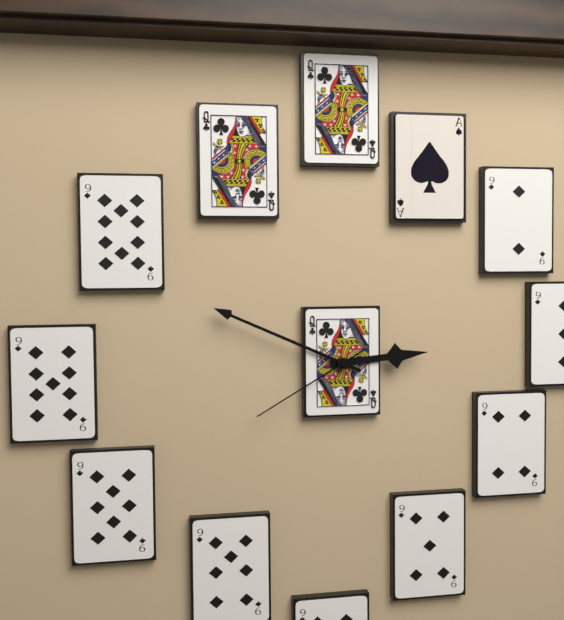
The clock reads 2,49,40
